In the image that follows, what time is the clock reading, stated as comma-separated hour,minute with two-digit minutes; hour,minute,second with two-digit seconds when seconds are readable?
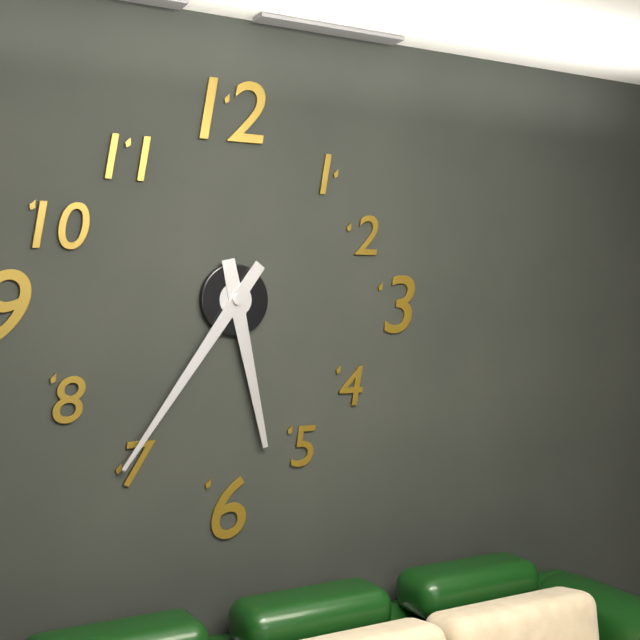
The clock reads 5,36
